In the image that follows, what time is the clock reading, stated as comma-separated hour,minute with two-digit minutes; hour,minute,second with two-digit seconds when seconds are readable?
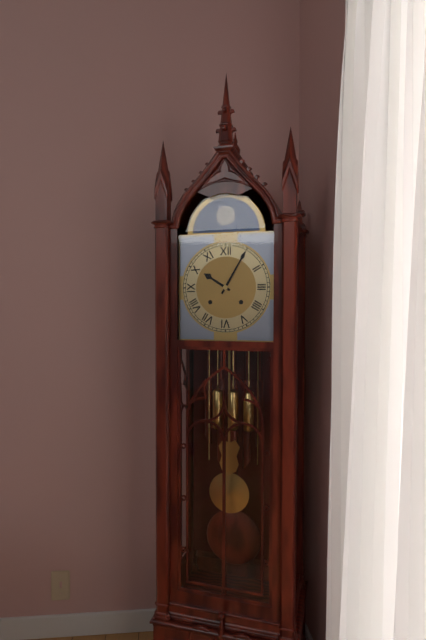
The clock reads 10,05
